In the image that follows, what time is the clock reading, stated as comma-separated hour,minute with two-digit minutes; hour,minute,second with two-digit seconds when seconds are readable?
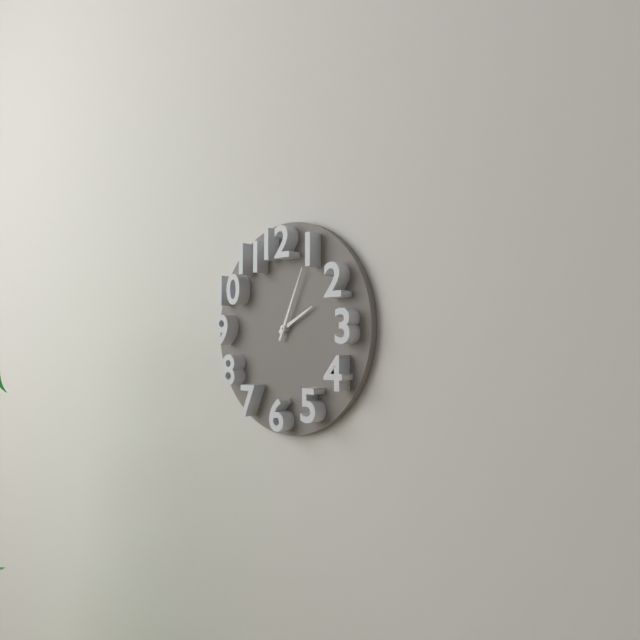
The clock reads 2,04
